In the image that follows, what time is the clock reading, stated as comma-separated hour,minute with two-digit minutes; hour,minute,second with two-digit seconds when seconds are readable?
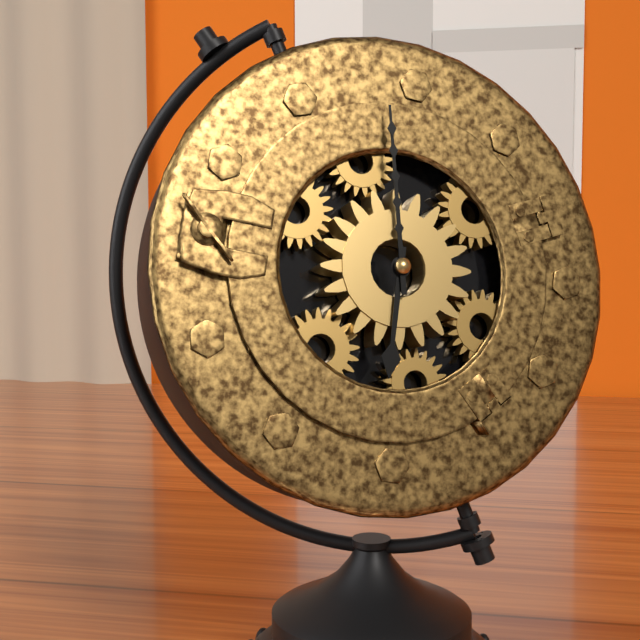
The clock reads 5,58
